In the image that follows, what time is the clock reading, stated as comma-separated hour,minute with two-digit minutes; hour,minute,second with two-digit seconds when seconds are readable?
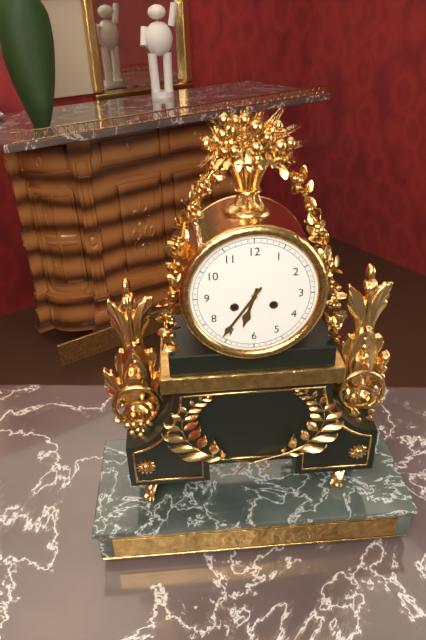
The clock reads 6,36
